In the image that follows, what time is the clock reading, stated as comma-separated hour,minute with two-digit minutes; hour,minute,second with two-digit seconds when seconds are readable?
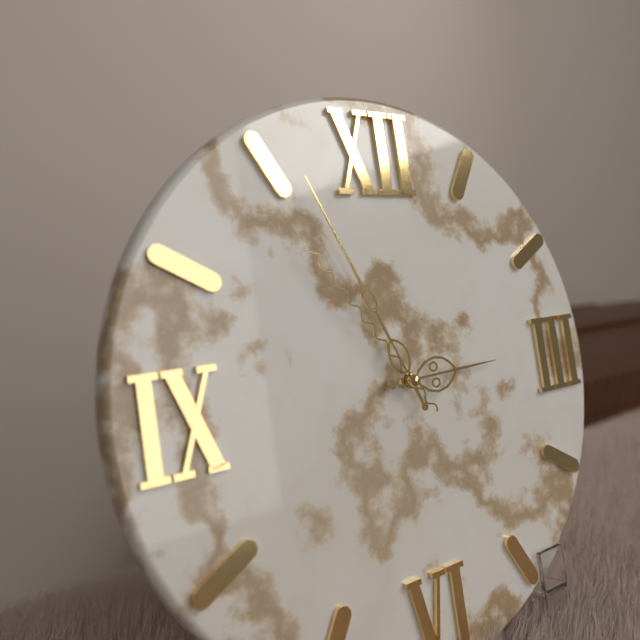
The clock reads 2,56,54
